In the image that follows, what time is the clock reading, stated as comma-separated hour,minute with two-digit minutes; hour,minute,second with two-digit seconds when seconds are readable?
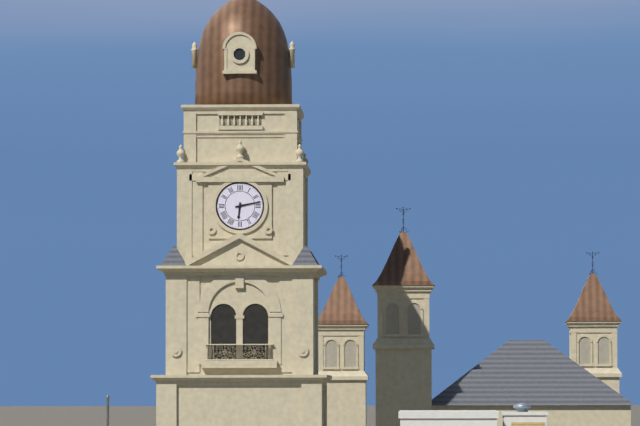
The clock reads 6,13
